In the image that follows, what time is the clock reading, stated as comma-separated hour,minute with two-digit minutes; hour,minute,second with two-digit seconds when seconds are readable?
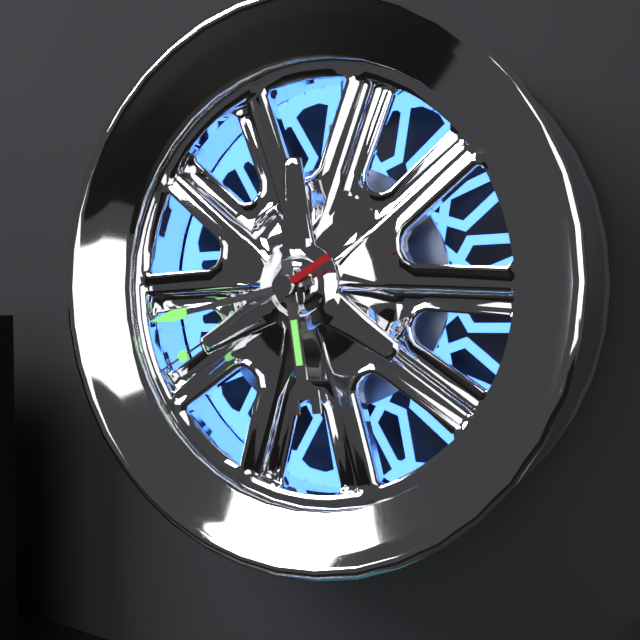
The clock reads 5,43,40
